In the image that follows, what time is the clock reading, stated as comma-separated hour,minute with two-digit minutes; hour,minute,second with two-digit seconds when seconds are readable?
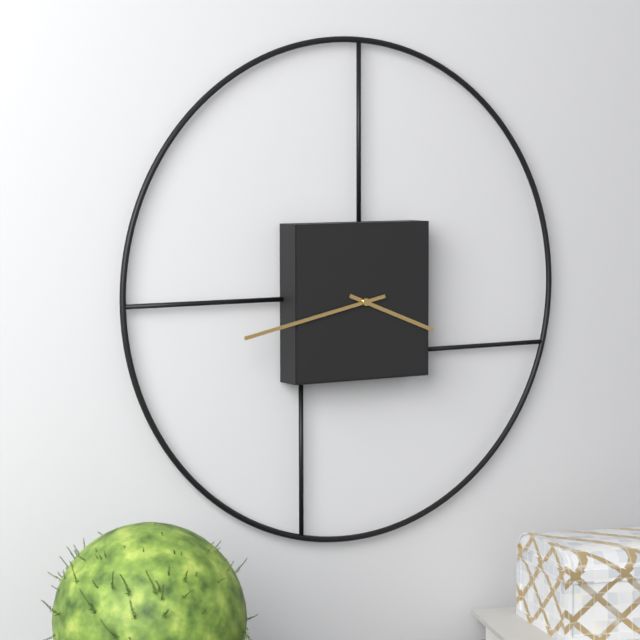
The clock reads 3,43
